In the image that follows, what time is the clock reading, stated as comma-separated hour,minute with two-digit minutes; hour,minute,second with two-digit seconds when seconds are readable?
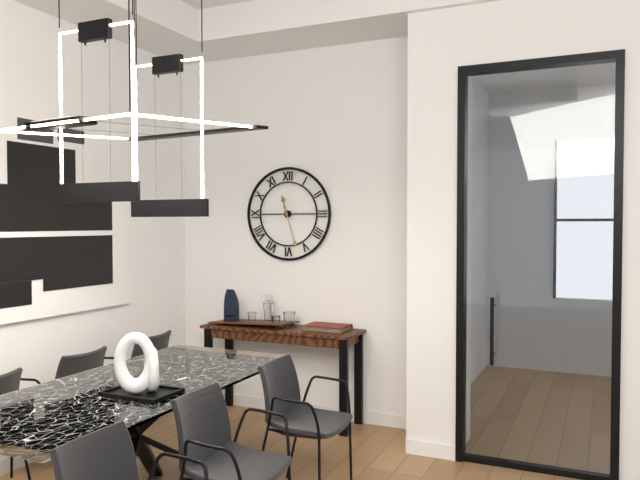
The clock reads 11,27
